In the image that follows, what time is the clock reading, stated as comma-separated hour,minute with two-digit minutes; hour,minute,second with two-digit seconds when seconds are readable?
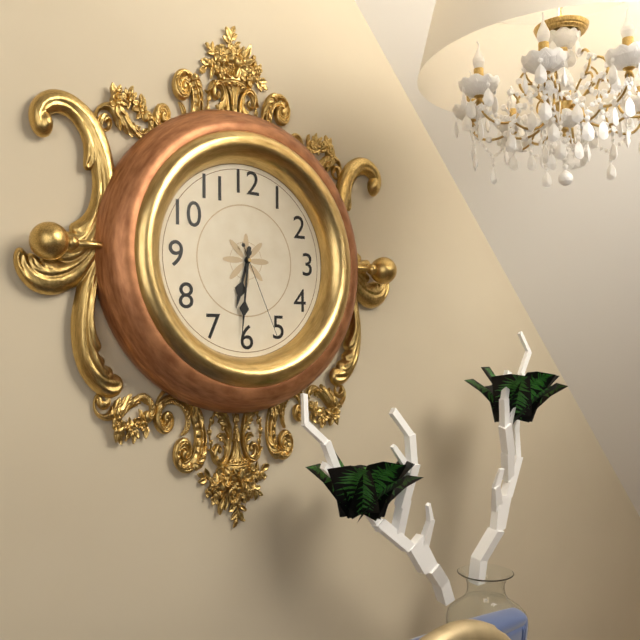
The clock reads 6,31,26
